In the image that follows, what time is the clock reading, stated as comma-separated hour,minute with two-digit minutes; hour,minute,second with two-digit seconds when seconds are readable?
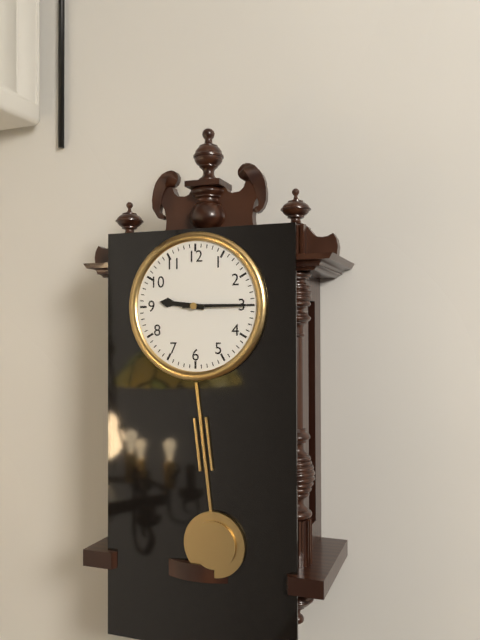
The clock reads 9,15
